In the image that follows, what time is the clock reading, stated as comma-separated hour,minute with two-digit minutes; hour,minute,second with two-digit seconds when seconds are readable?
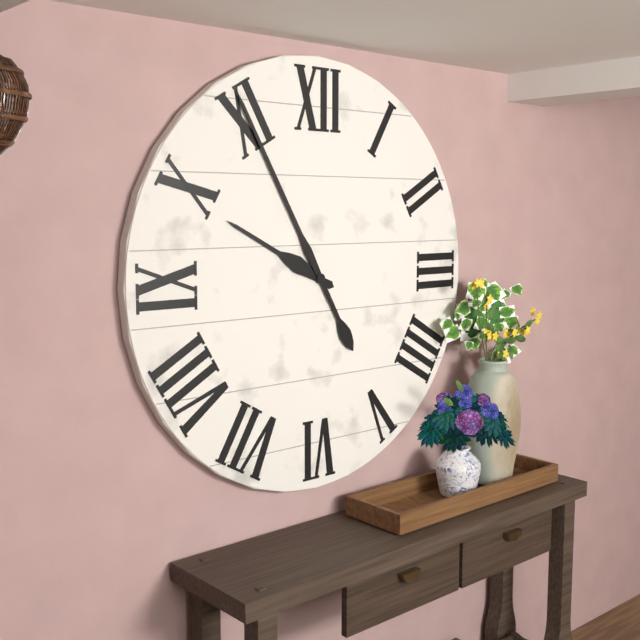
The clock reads 9,55
